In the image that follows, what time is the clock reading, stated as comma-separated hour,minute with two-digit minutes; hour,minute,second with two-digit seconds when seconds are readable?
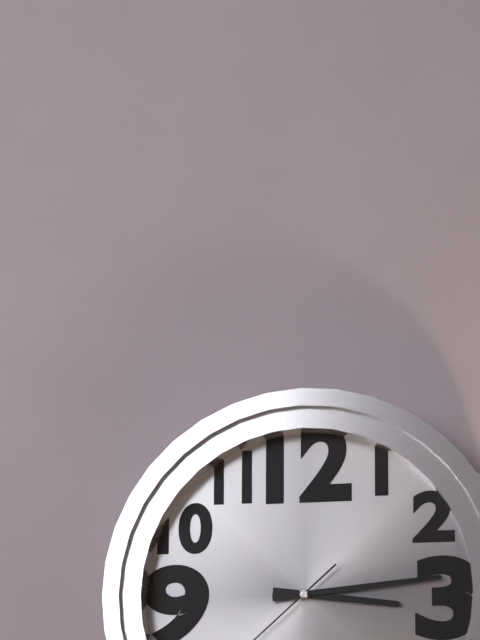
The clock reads 3,14
